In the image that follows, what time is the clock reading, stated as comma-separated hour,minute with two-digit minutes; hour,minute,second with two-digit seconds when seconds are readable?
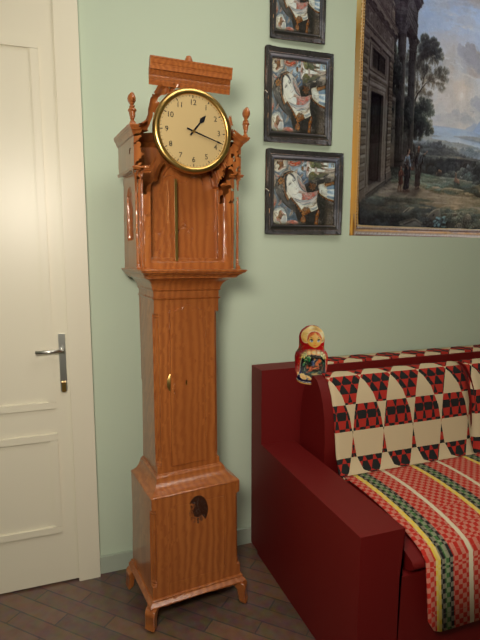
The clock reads 1,18
